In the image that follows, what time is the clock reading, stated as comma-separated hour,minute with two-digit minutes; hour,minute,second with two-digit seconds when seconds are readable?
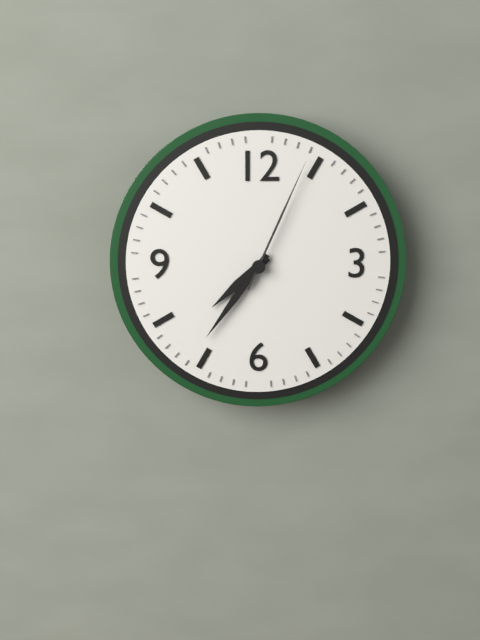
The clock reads 7,36,04
